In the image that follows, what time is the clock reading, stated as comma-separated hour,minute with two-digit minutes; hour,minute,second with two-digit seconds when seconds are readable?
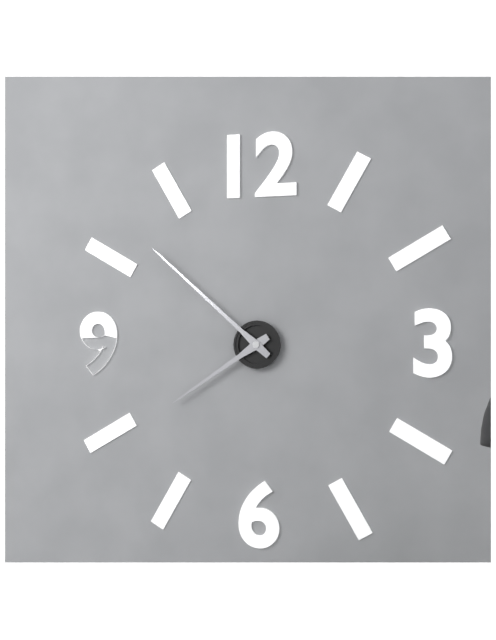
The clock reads 7,52
